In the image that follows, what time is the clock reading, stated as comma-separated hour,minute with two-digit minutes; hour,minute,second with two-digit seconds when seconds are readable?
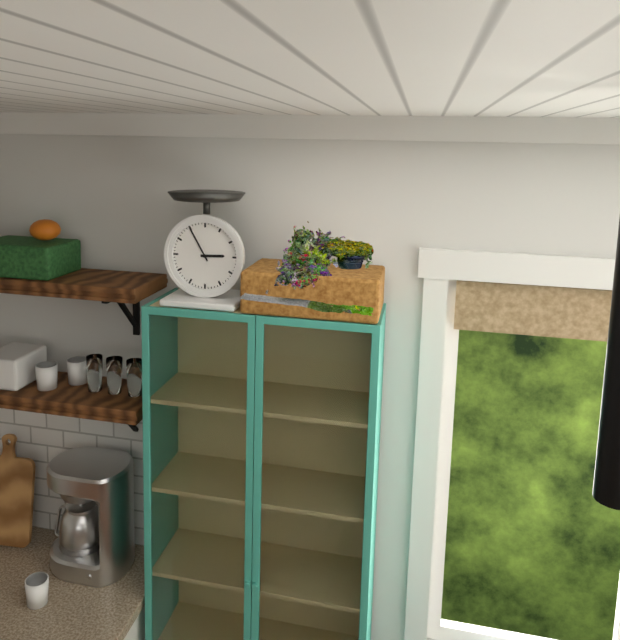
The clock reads 2,55
